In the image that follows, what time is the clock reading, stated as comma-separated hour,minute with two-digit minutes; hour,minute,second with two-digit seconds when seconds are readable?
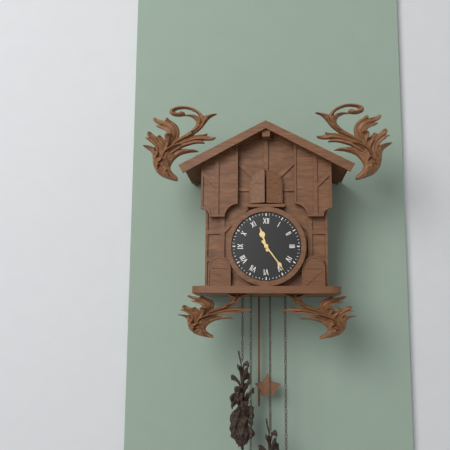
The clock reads 11,24
